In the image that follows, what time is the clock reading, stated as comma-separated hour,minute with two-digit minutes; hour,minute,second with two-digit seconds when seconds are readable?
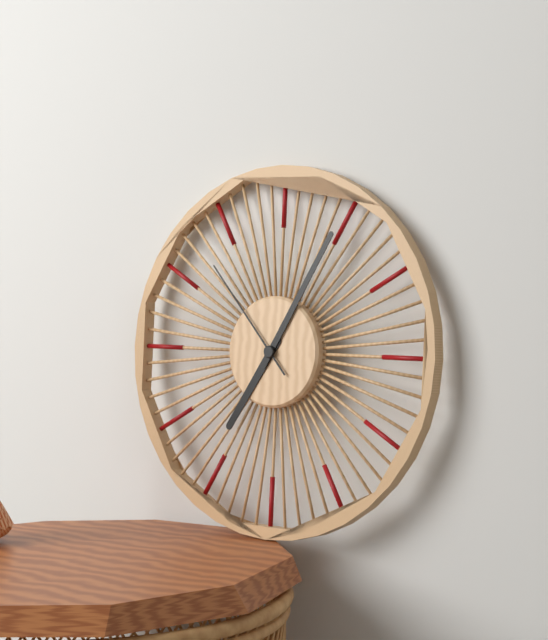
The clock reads 7,05,53
